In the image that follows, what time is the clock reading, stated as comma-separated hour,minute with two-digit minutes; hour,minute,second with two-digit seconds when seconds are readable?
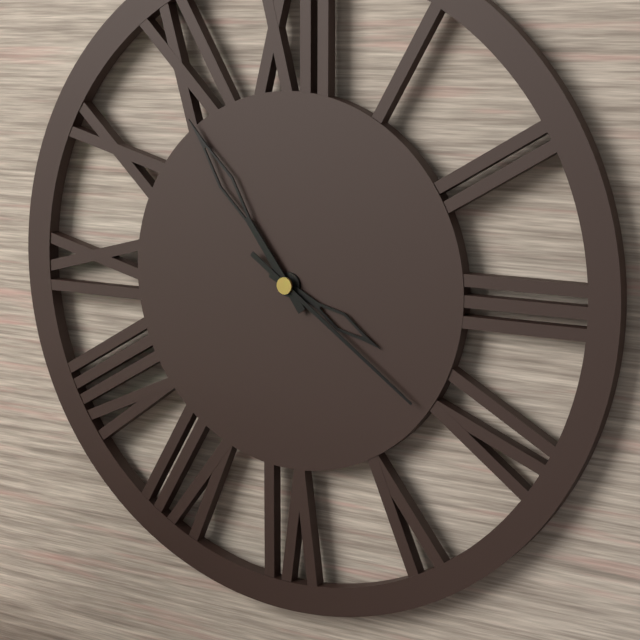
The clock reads 3,54,21
